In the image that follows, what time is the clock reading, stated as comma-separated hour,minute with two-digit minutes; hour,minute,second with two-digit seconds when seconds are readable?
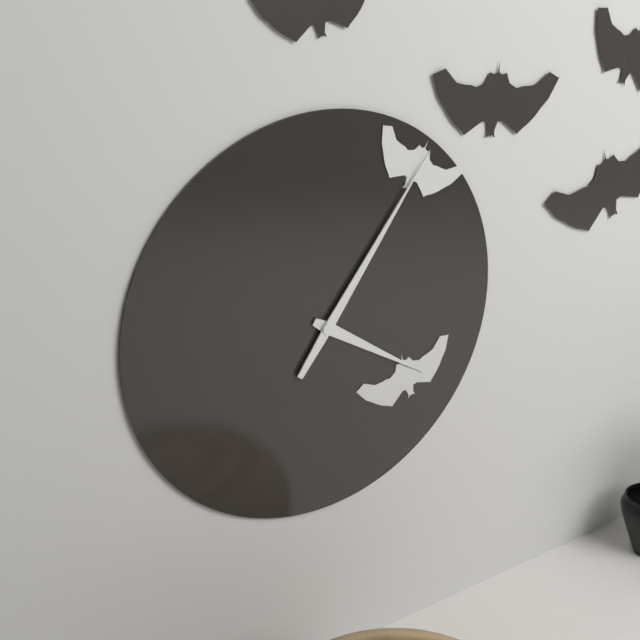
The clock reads 4,06
